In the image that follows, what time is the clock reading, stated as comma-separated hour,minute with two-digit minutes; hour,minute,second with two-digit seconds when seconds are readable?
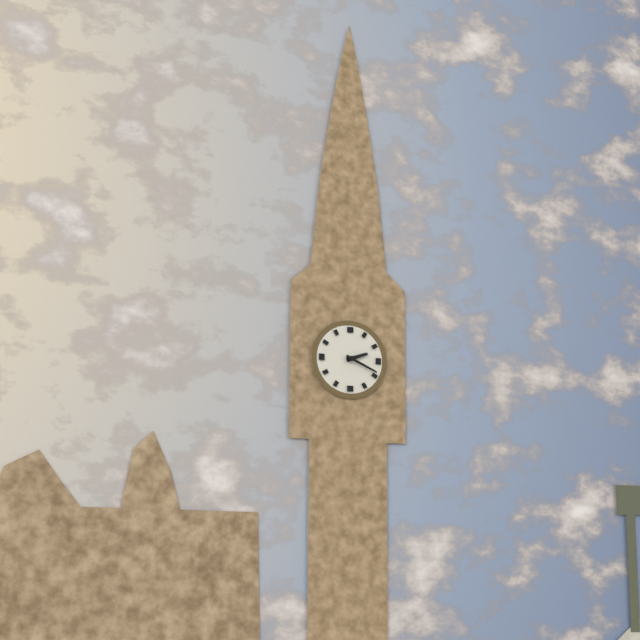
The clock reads 2,19
